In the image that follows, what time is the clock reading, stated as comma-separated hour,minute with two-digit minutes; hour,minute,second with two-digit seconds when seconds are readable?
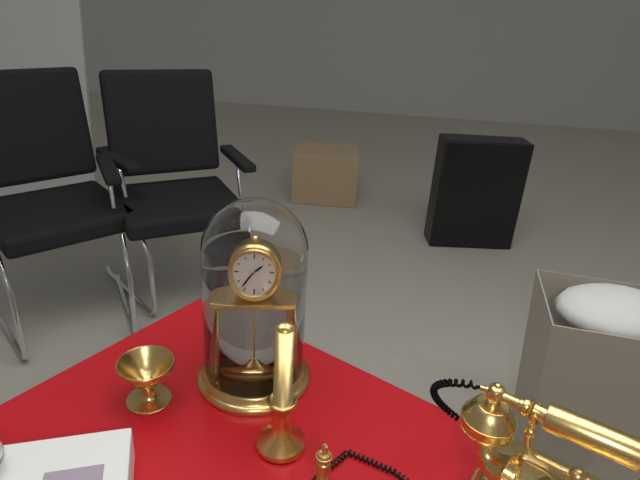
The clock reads 1,37
